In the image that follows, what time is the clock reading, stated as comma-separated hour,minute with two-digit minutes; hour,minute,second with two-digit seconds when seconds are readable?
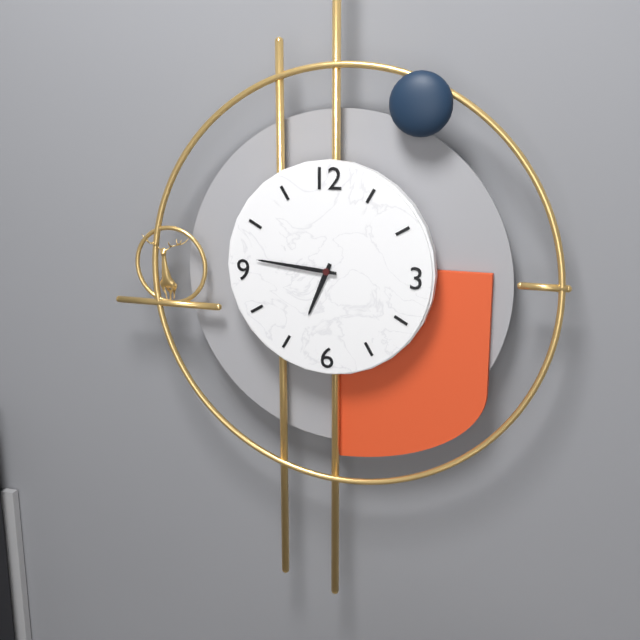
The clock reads 6,46
